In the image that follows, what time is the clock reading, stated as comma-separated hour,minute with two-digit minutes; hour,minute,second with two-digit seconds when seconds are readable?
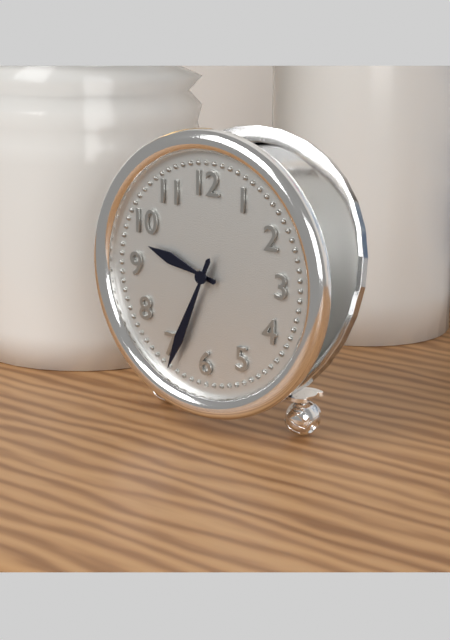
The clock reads 9,34
